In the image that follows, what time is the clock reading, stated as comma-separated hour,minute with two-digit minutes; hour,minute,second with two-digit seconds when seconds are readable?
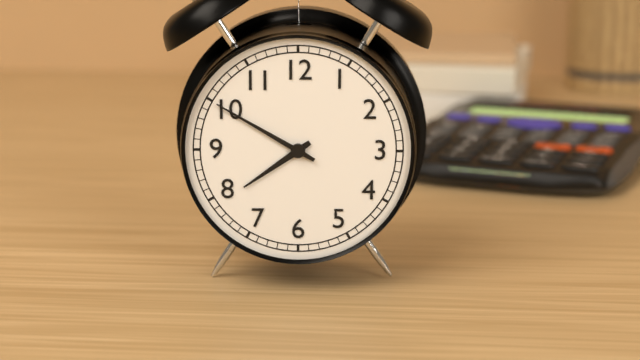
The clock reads 7,50
